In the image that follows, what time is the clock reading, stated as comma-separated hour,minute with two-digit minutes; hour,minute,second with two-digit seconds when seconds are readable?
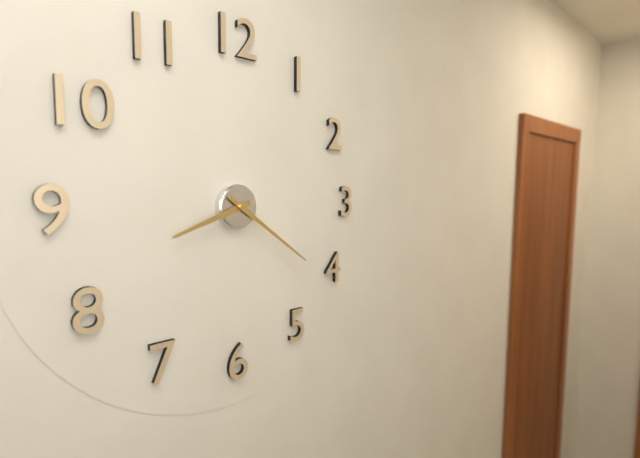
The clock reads 8,21
